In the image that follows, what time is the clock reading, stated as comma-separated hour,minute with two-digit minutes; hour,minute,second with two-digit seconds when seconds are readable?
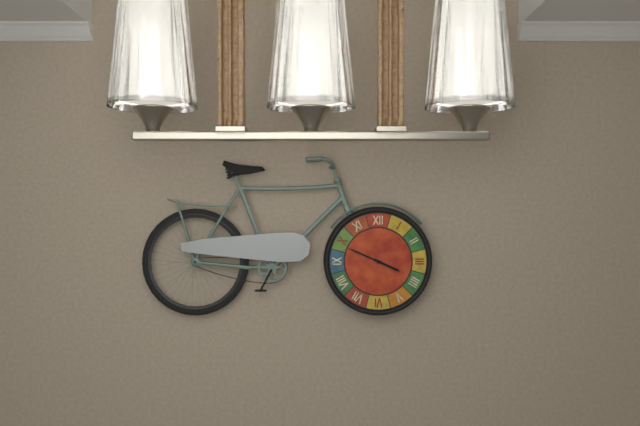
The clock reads 3,49
